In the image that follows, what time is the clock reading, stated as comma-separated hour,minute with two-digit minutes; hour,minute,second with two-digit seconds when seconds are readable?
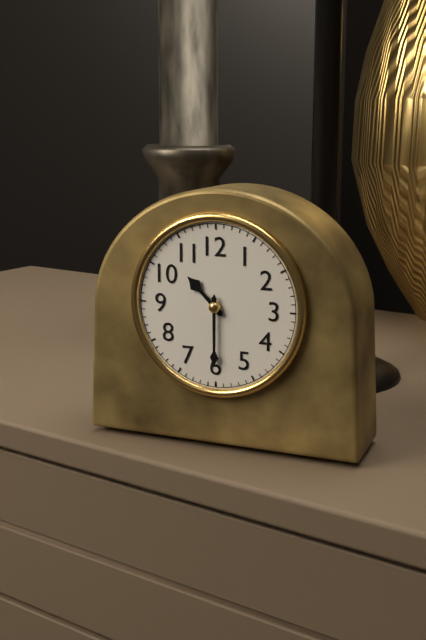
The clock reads 10,30
